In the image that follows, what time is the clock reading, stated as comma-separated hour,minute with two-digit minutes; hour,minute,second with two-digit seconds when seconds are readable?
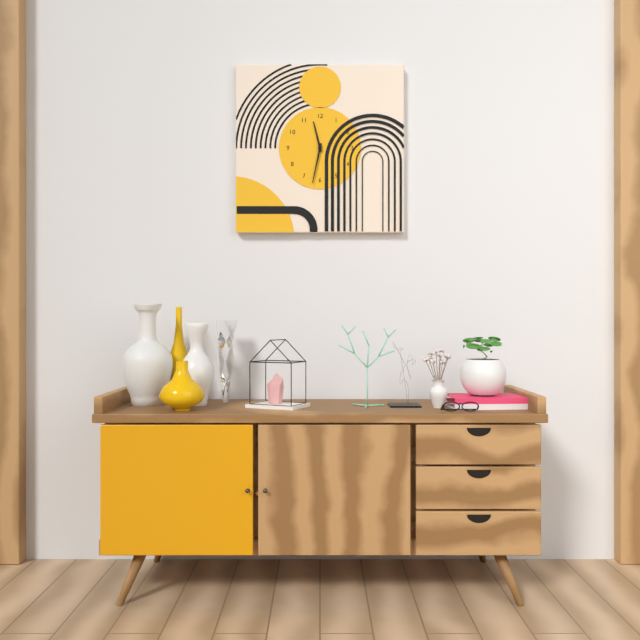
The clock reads 11,32
